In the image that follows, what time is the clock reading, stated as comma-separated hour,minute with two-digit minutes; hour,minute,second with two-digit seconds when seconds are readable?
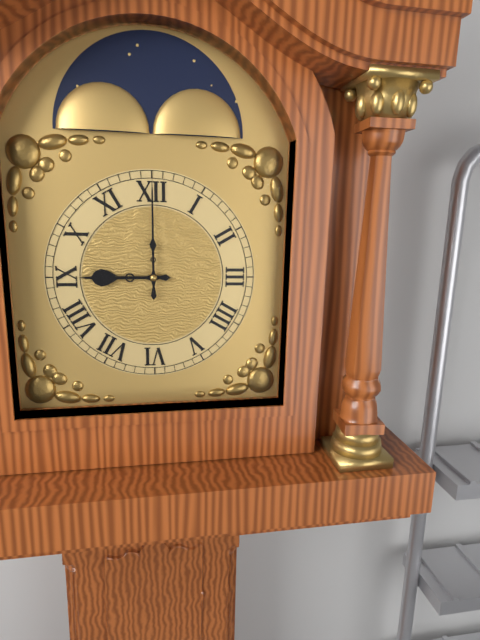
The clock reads 9,00
